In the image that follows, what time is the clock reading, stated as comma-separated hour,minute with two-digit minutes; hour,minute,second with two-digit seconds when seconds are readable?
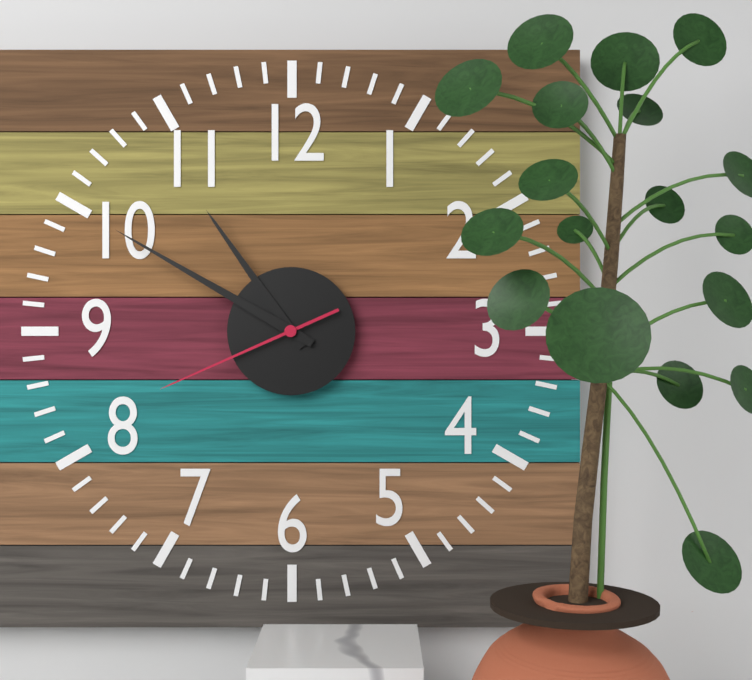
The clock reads 10,50,41
